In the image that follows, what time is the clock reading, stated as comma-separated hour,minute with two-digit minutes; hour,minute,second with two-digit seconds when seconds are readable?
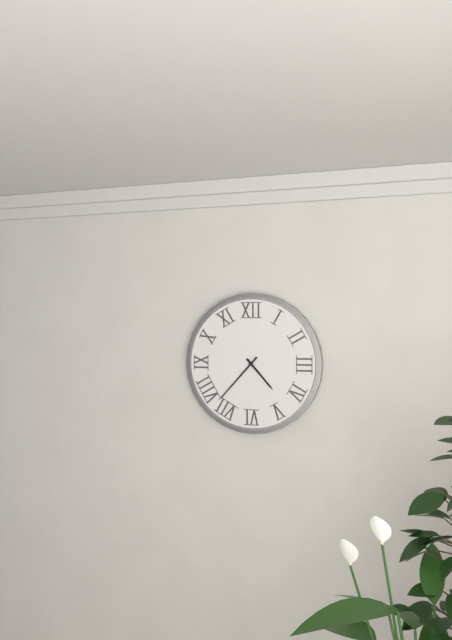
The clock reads 4,37
